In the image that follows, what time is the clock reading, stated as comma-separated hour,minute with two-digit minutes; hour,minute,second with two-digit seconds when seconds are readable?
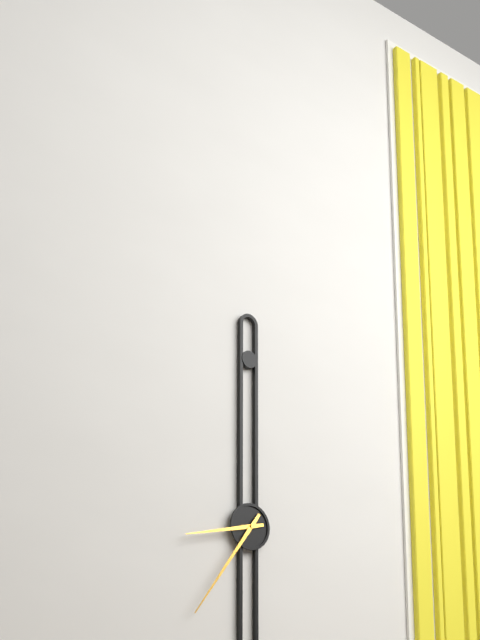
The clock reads 8,36
